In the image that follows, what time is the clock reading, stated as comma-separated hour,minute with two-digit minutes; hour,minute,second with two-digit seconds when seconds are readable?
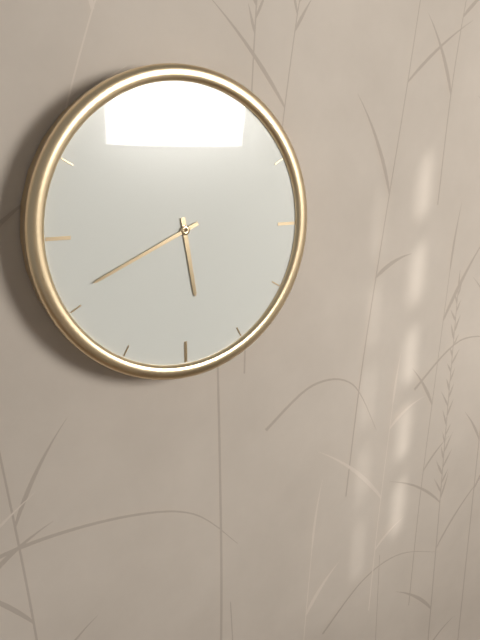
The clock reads 5,41
